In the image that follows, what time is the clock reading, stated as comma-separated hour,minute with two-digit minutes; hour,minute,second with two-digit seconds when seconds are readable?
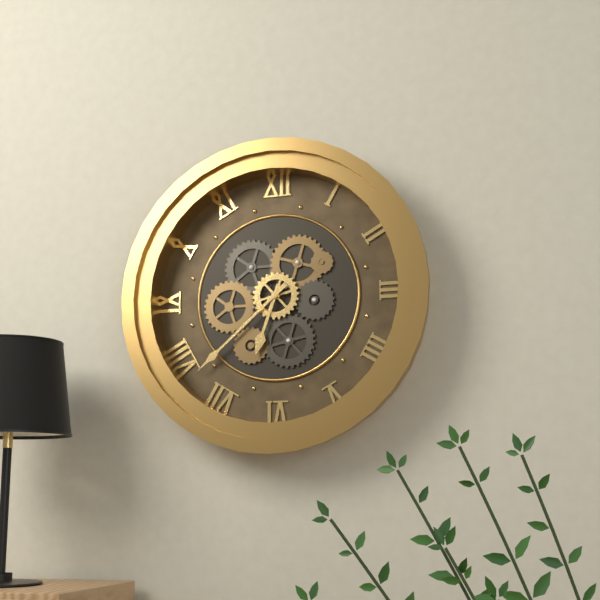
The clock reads 6,38
